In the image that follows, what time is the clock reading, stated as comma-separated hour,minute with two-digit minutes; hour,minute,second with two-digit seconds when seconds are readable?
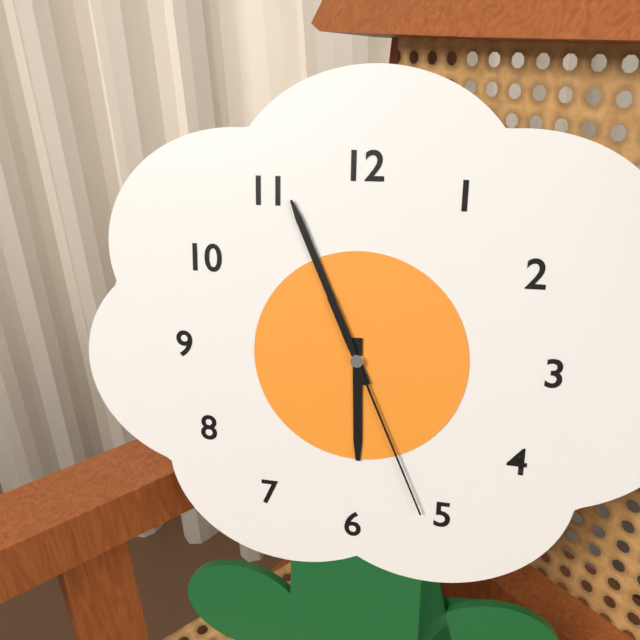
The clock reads 5,56,26
